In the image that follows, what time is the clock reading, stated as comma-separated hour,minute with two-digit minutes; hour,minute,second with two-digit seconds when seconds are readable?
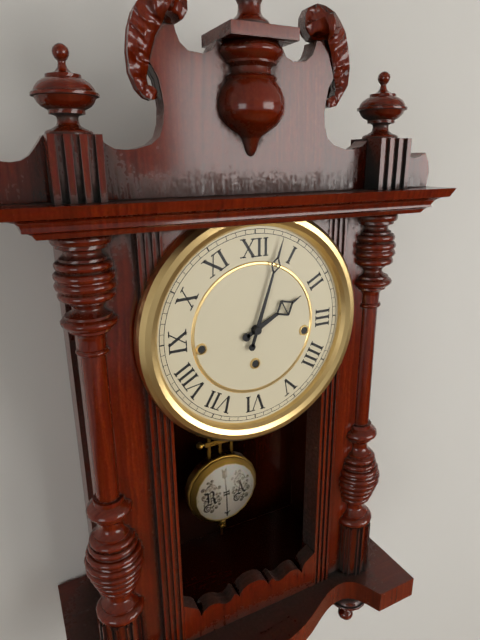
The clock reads 2,03
